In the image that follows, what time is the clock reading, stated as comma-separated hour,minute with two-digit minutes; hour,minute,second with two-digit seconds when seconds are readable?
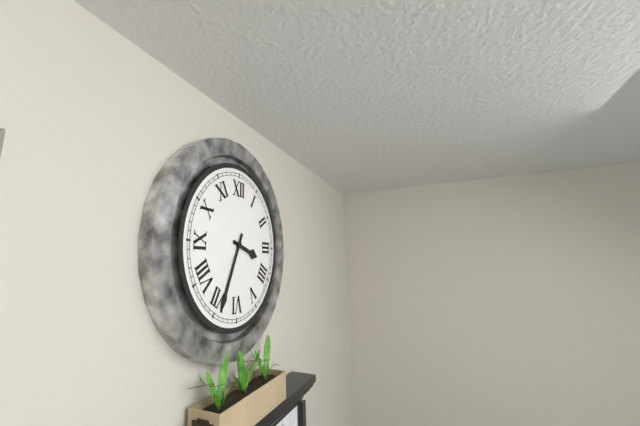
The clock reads 3,34
